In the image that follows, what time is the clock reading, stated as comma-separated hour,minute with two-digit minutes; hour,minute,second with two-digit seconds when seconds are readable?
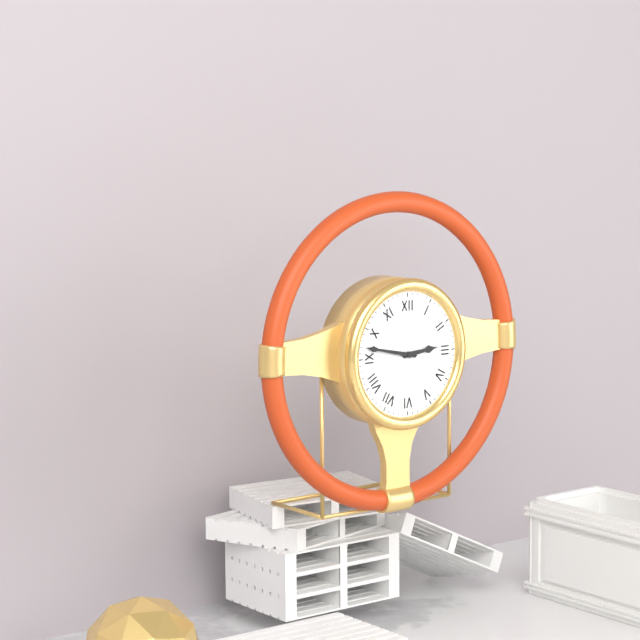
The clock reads 2,47
